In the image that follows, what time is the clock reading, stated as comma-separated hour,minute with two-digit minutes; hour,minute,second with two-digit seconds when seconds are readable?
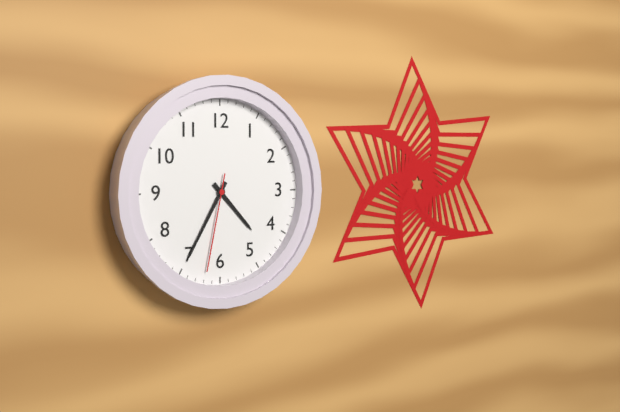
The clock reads 4,35,32
